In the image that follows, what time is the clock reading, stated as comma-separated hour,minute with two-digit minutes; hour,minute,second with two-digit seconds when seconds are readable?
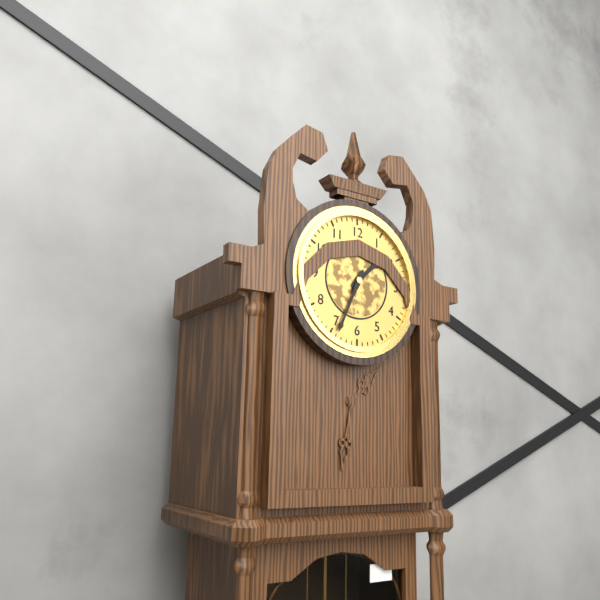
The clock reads 1,34
